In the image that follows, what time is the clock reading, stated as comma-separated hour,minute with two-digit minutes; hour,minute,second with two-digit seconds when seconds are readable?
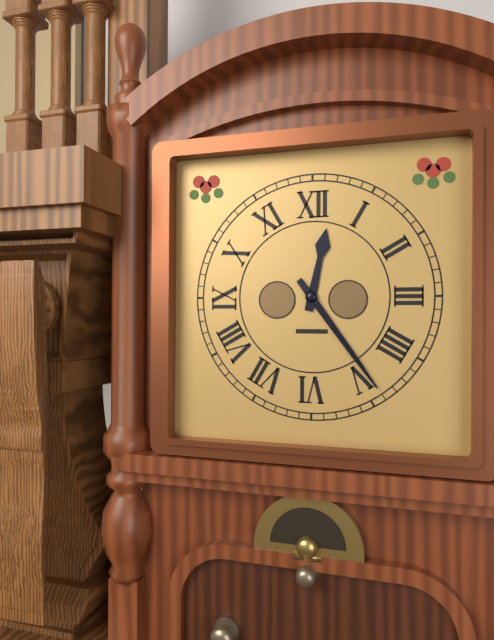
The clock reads 12,24
